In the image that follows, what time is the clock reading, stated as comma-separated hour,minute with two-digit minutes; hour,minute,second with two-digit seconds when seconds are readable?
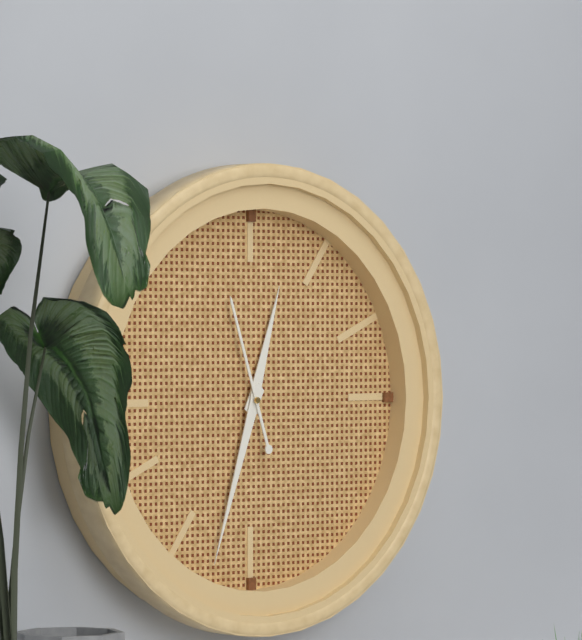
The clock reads 12,33,57
